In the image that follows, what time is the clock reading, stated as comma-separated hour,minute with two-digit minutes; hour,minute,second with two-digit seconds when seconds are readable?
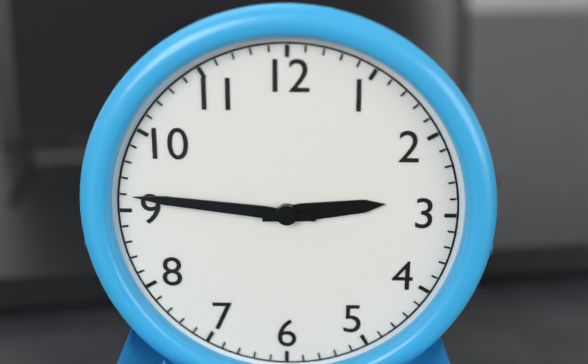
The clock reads 2,46
